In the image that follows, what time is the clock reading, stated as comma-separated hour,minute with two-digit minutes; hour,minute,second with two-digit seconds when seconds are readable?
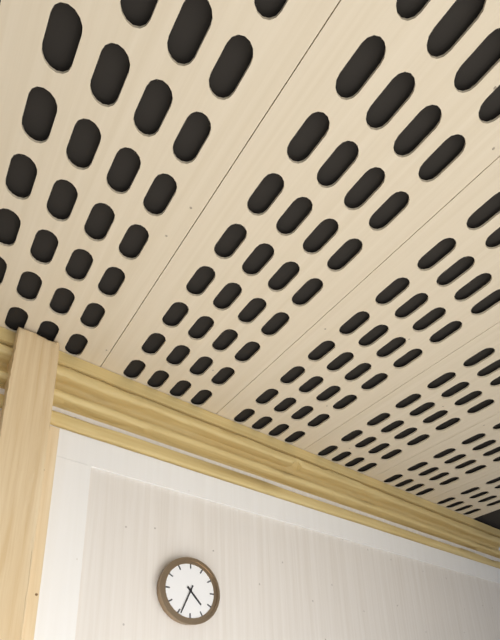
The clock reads 4,34
